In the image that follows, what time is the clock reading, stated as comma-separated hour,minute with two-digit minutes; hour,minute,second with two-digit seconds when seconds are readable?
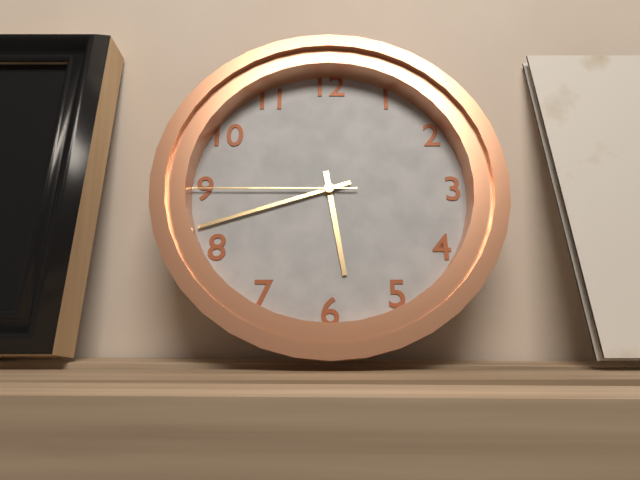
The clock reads 5,42,45
